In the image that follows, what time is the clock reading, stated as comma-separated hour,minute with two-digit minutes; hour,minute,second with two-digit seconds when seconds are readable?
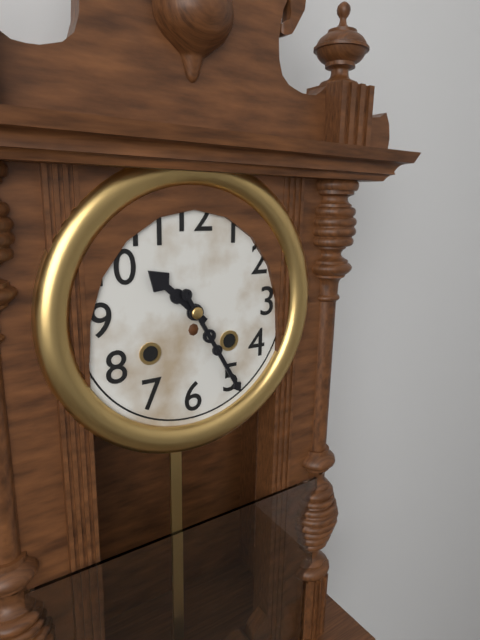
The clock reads 10,25
